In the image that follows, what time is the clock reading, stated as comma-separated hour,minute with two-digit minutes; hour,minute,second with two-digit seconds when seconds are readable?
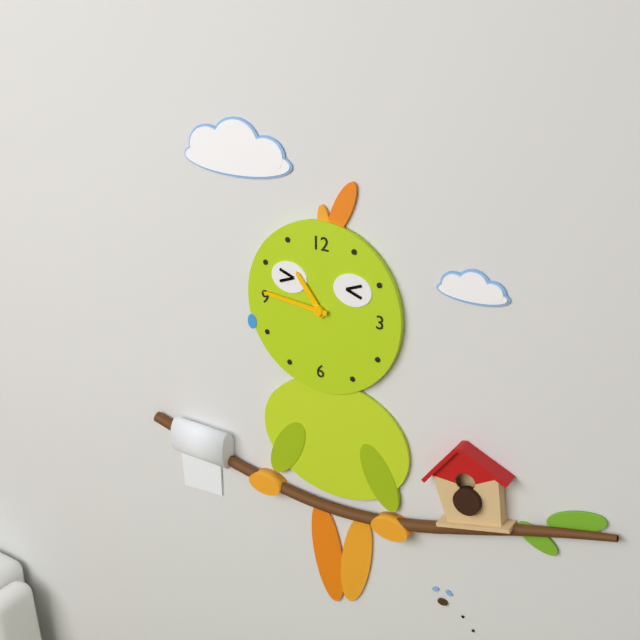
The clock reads 10,46
